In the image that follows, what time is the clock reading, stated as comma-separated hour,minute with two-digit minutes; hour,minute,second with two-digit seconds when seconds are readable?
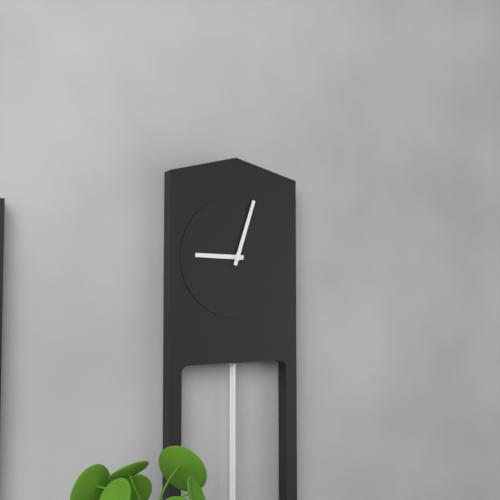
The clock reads 9,03
